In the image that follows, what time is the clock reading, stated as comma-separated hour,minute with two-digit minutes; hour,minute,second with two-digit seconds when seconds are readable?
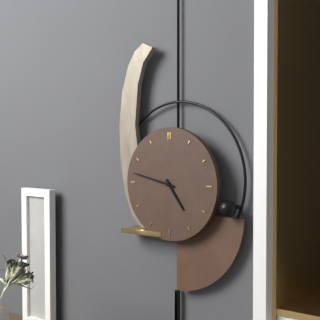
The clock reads 4,47
